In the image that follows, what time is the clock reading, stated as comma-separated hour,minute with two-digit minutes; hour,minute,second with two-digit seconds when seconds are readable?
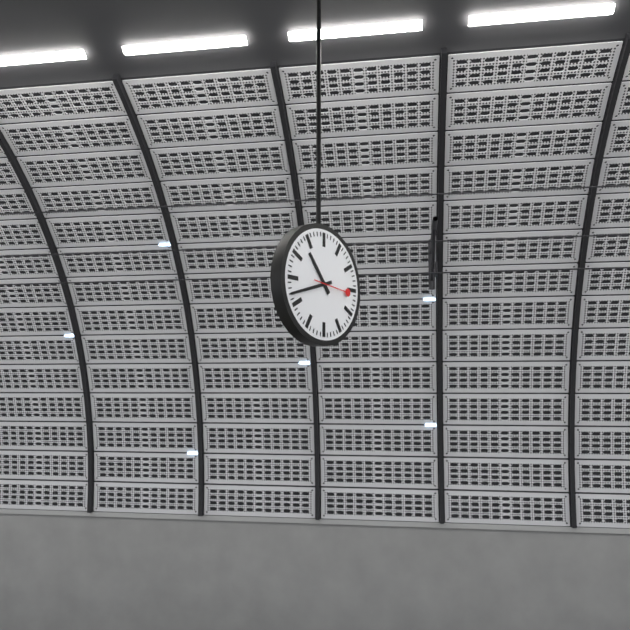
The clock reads 10,42
